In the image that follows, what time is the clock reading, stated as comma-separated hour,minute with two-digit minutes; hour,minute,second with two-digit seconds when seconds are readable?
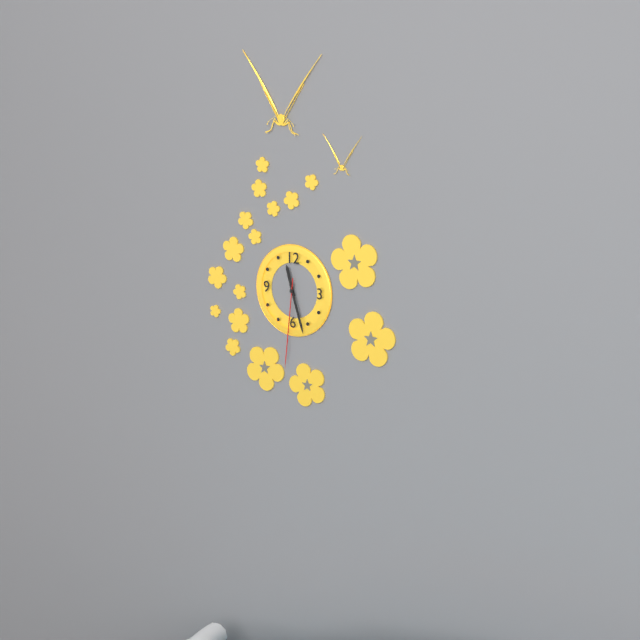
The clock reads 11,27,31
